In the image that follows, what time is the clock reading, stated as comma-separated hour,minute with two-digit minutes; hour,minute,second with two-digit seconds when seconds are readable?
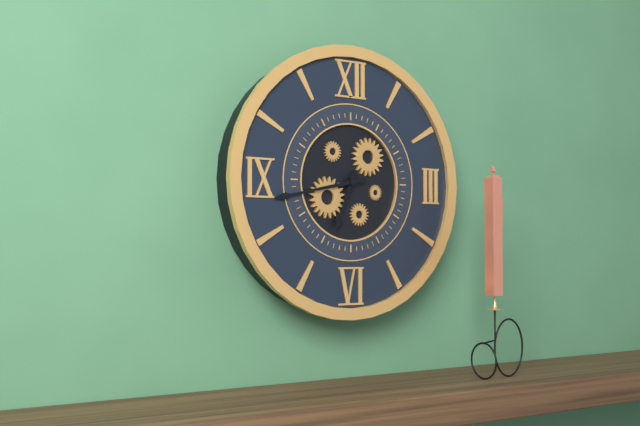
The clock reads 6,43
